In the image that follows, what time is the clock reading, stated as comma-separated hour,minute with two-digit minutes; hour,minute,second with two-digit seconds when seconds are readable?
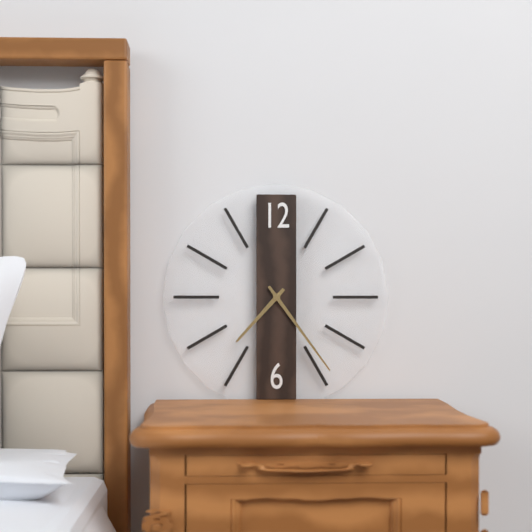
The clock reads 7,24
